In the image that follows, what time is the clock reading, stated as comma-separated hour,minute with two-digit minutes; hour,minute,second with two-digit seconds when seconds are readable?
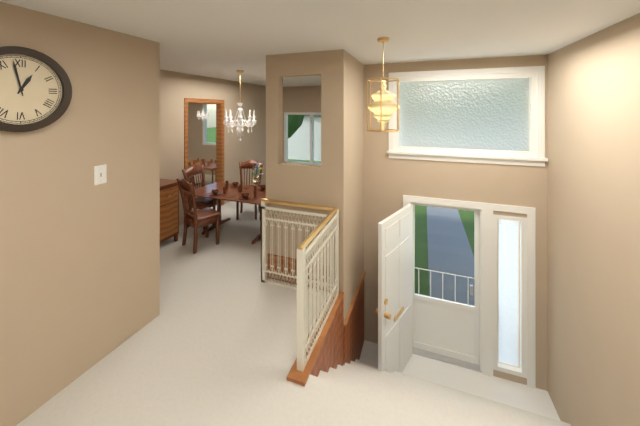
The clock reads 12,58
